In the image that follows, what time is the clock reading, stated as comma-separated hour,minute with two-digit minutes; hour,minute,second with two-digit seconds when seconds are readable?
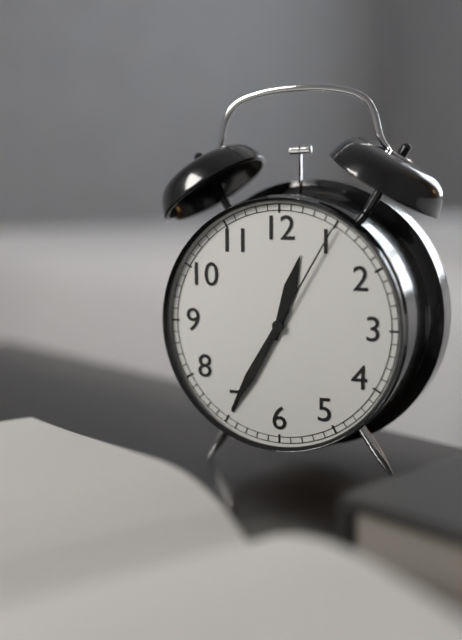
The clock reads 12,35,05
